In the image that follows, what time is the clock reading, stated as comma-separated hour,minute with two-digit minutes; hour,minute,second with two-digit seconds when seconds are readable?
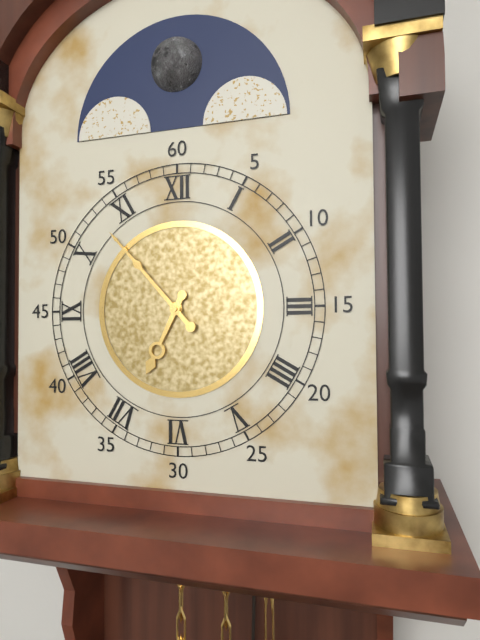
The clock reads 6,53
